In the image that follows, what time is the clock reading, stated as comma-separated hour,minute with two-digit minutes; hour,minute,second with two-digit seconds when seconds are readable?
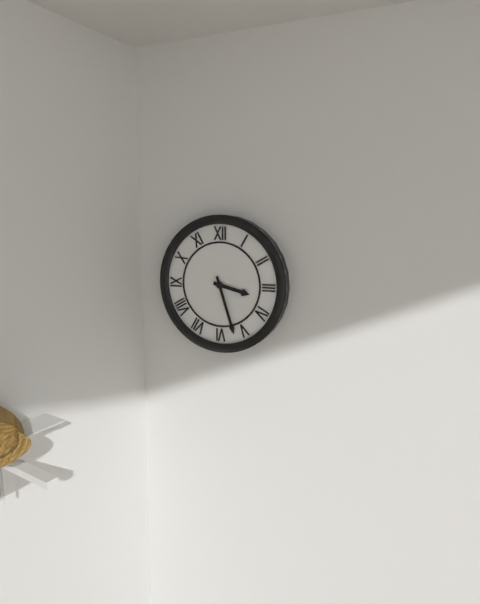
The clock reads 3,27
